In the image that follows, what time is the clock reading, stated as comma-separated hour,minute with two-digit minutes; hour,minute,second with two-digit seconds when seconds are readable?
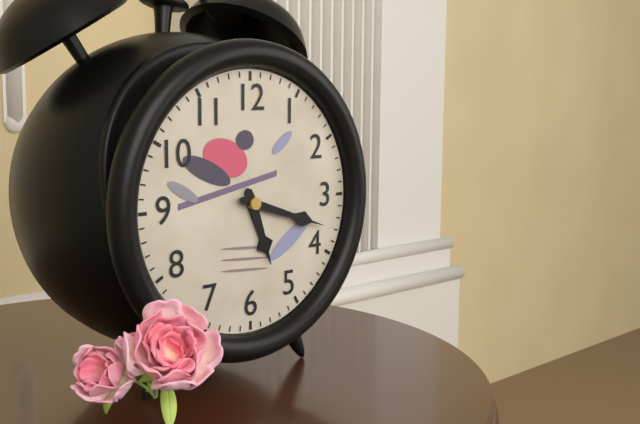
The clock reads 5,18
